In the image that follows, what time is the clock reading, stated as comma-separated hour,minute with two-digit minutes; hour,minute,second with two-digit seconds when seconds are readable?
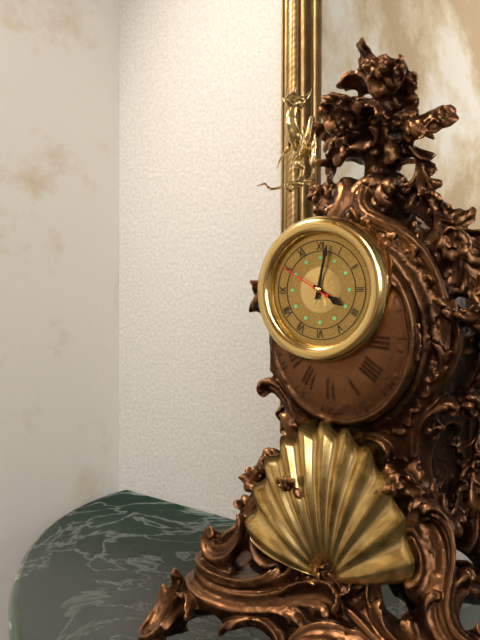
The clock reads 4,02,50
